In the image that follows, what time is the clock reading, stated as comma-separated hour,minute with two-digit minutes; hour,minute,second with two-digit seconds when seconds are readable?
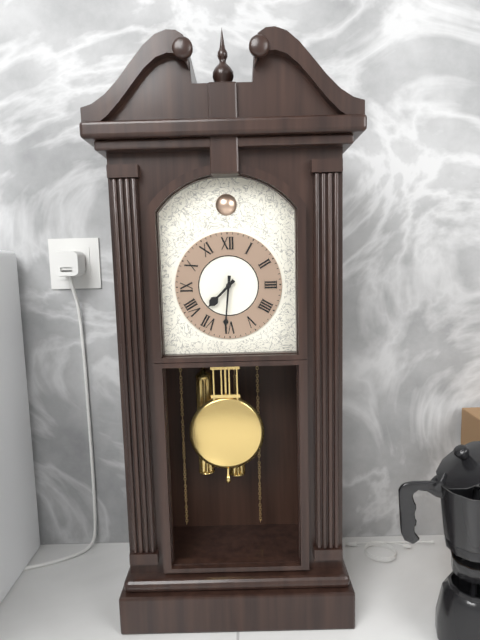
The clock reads 7,31
